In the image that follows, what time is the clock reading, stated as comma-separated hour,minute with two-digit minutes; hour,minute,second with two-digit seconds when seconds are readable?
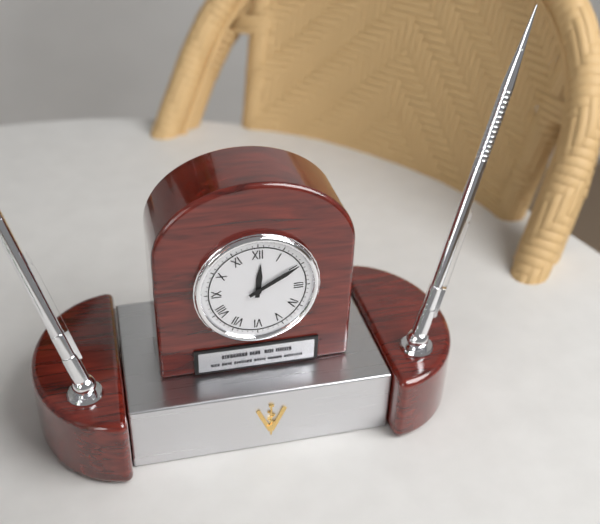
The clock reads 12,10
